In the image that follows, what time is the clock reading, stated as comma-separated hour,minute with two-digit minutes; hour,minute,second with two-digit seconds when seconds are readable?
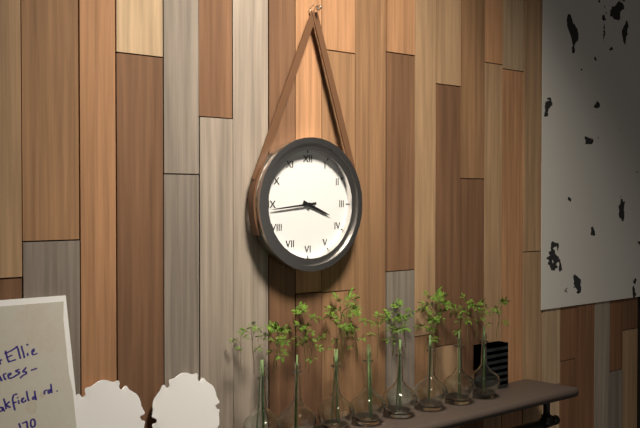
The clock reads 3,44
